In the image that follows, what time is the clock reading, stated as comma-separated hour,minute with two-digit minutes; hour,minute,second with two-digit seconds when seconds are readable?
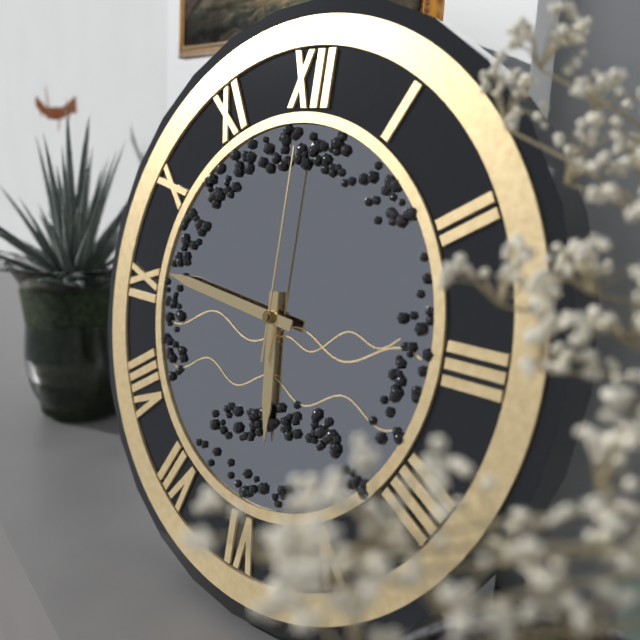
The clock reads 5,46,00
